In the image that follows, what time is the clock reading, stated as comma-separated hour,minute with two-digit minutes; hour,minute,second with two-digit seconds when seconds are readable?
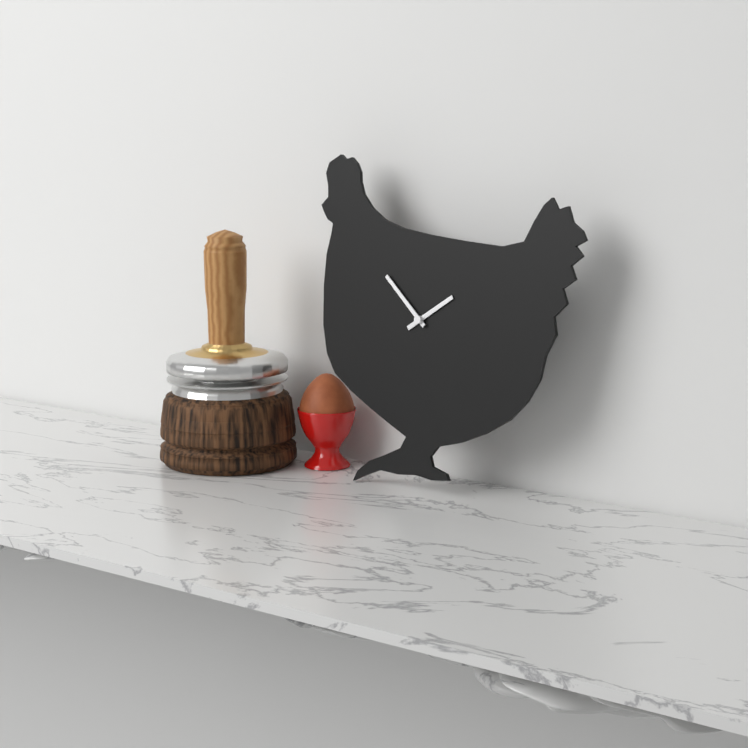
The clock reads 1,52
